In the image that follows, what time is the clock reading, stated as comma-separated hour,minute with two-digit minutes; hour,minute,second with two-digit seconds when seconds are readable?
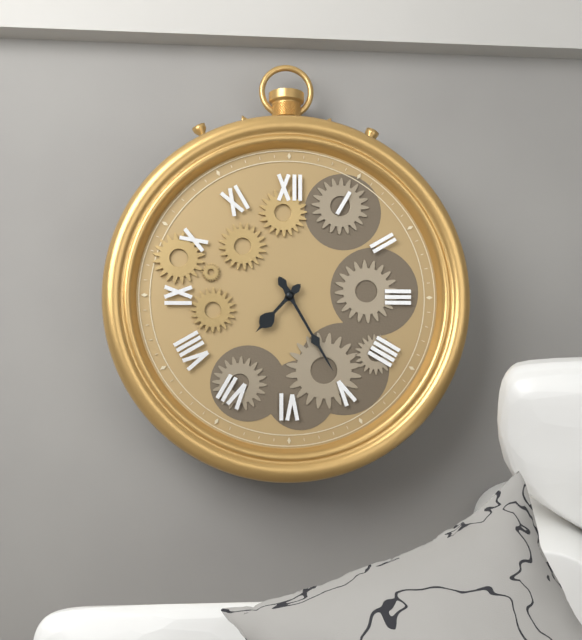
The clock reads 7,25
